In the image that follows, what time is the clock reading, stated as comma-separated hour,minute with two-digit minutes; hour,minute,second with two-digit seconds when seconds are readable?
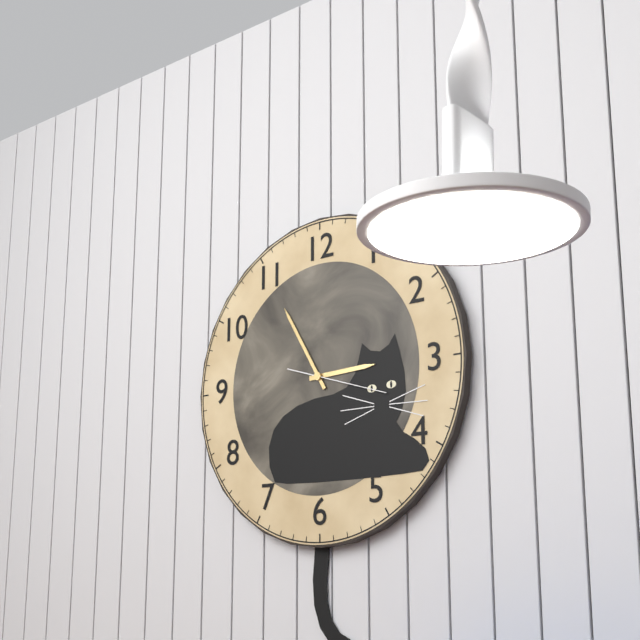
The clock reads 2,55,18
